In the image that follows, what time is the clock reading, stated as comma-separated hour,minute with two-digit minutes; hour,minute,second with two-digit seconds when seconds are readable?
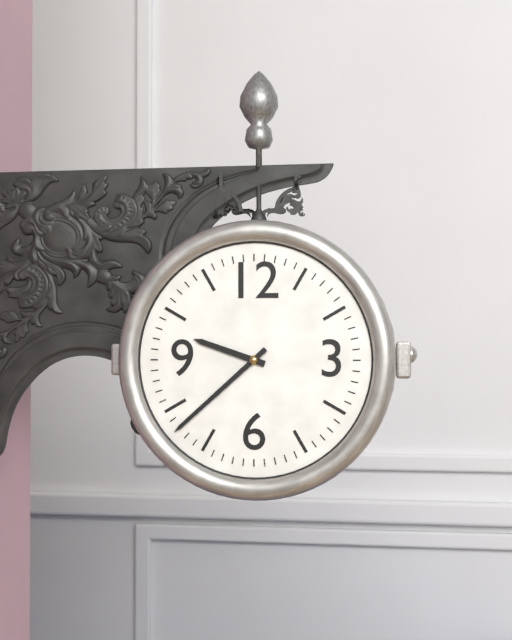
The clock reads 9,38
